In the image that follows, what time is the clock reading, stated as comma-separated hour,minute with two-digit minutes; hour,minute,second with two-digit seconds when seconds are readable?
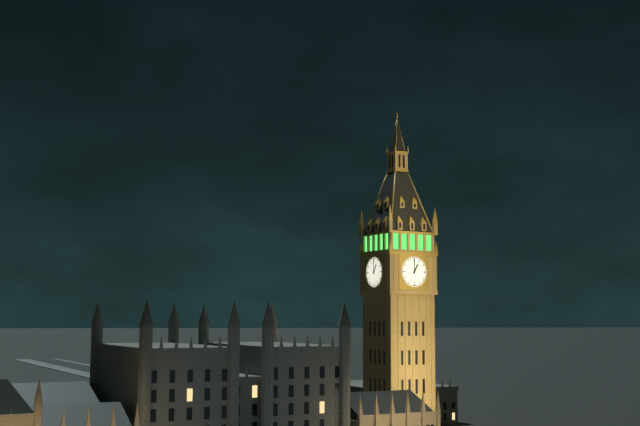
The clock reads 1,00
